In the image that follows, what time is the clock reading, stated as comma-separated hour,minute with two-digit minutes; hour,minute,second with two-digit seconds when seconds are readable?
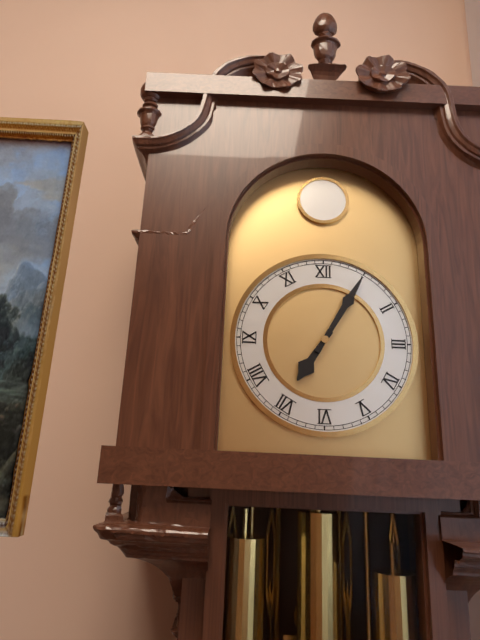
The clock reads 7,05
